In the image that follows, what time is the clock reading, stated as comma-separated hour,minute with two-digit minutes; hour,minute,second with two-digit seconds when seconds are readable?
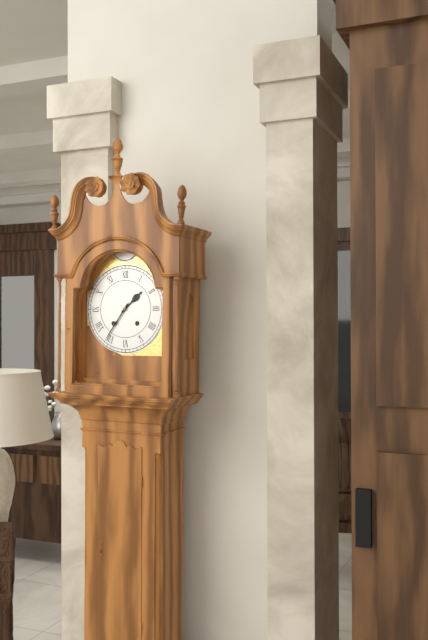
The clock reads 1,36
